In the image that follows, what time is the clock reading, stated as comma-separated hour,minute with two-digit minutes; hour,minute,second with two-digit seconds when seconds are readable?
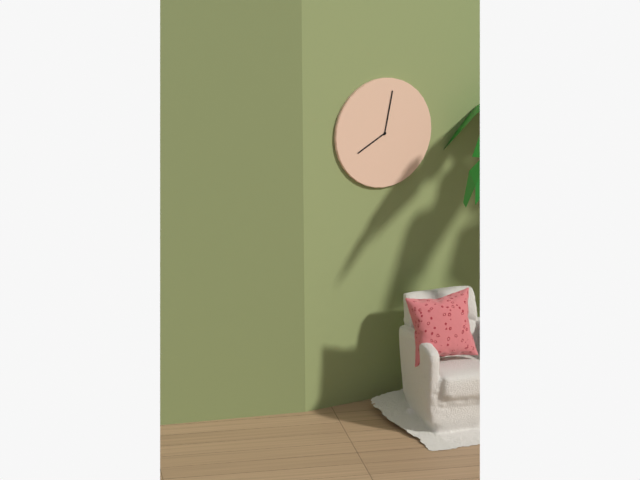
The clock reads 8,02
